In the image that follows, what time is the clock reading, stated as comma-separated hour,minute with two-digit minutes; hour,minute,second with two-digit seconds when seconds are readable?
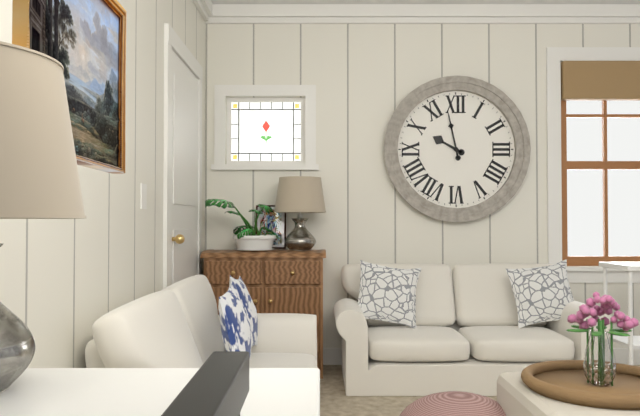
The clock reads 9,58
